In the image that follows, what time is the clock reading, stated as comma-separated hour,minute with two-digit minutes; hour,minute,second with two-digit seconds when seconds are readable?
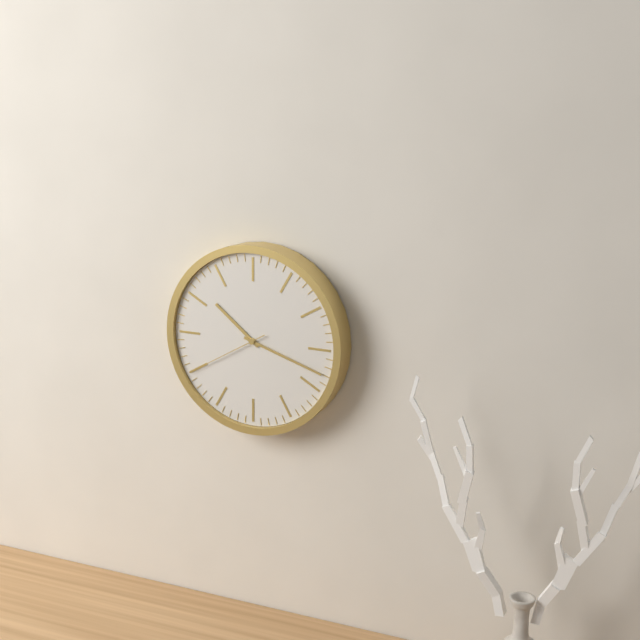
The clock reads 10,18,40
